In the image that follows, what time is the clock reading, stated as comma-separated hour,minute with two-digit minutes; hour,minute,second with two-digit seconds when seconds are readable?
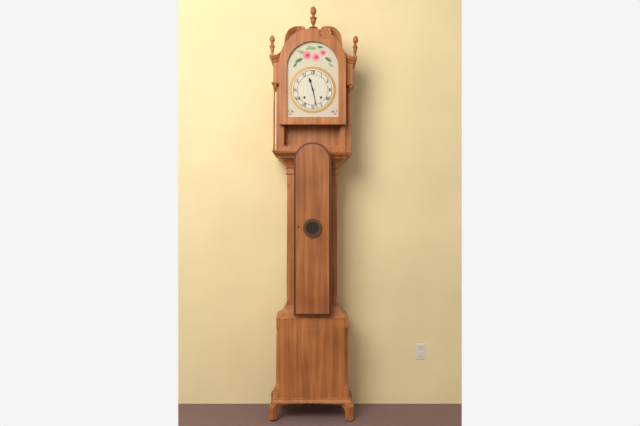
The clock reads 11,28
